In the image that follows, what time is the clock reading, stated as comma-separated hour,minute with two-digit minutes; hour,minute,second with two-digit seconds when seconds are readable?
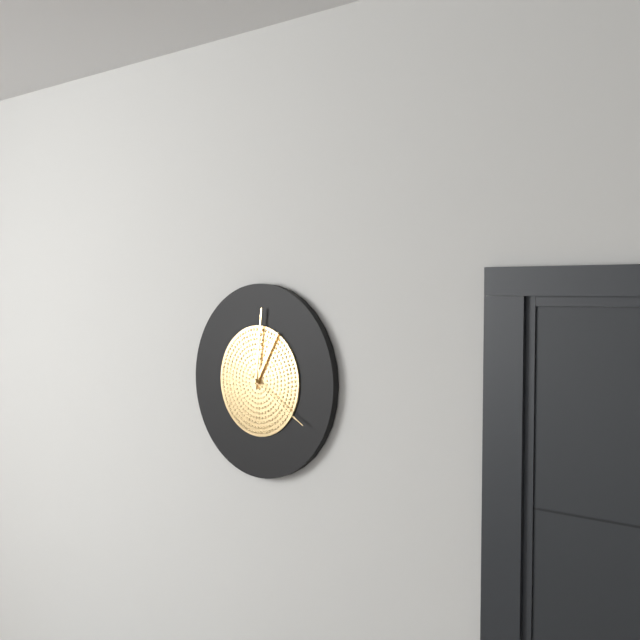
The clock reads 1,01,20
